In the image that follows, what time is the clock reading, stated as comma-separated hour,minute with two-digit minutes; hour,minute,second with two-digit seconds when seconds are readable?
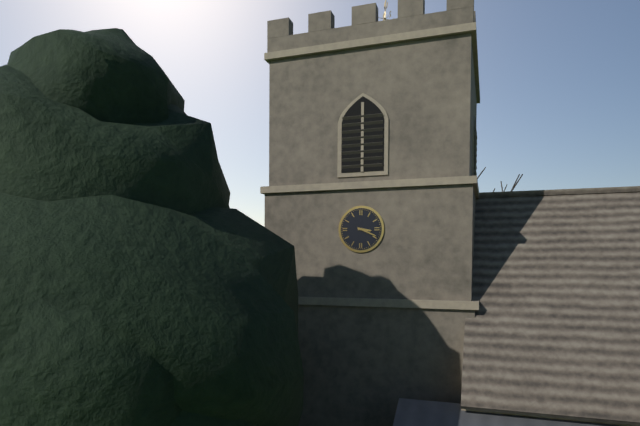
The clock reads 3,19
